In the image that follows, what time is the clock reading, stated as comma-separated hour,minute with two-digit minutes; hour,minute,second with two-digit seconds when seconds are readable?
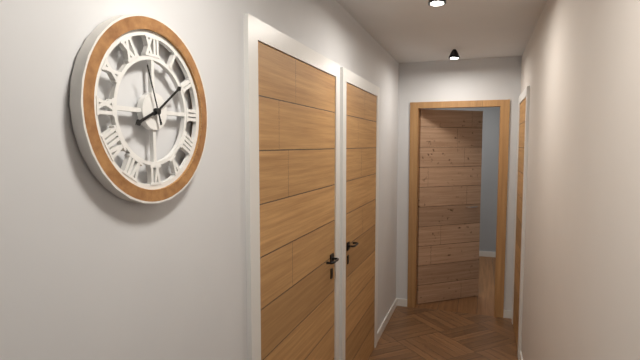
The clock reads 8,09,57
